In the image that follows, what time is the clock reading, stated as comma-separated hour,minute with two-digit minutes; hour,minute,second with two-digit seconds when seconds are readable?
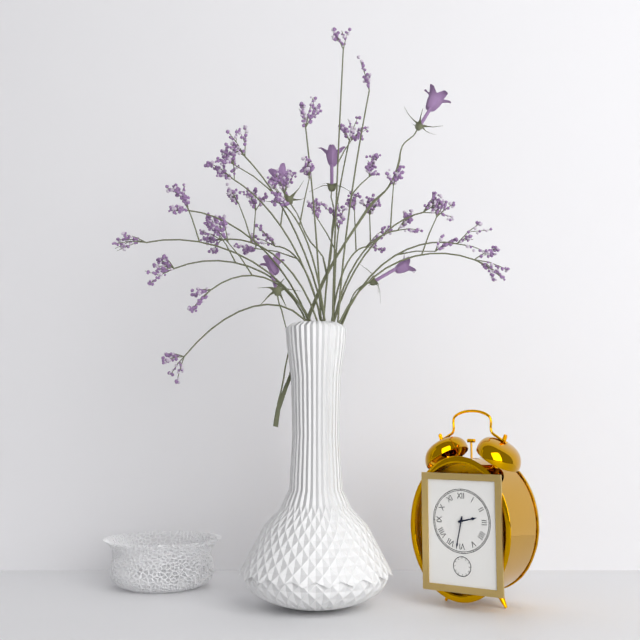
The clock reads 2,32
